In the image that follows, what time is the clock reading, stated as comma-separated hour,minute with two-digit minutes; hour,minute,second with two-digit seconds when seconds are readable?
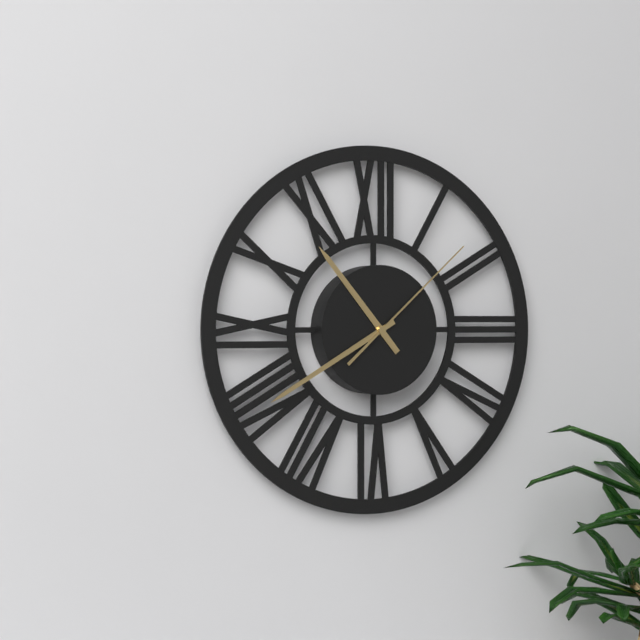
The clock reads 10,40,08
